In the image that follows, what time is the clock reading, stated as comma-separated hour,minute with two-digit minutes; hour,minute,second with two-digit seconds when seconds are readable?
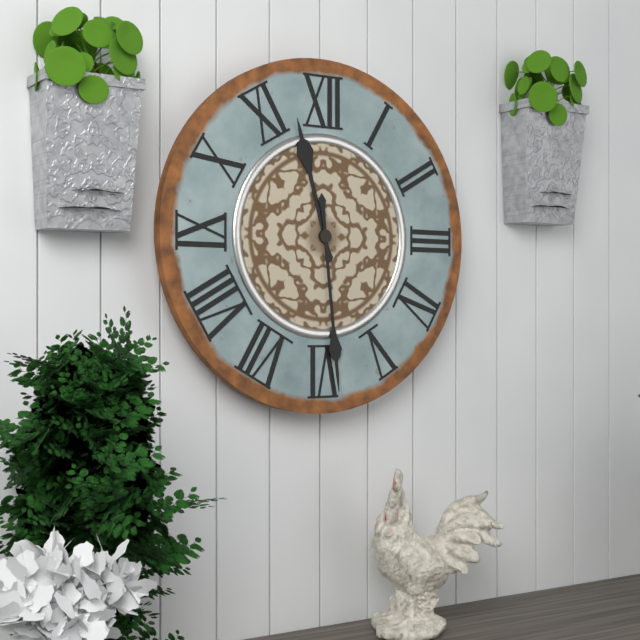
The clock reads 11,29
